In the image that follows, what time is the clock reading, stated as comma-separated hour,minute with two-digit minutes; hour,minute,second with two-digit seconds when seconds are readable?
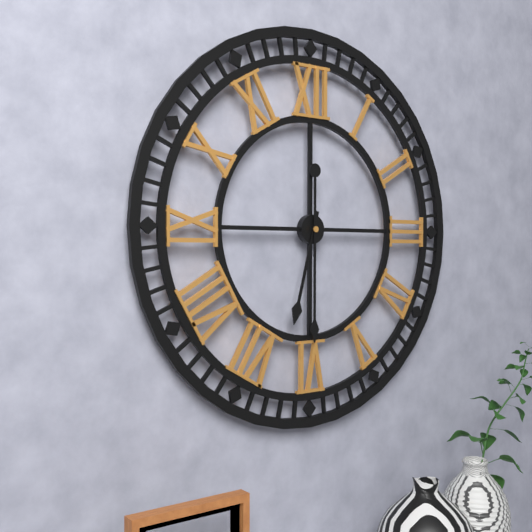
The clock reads 6,30
